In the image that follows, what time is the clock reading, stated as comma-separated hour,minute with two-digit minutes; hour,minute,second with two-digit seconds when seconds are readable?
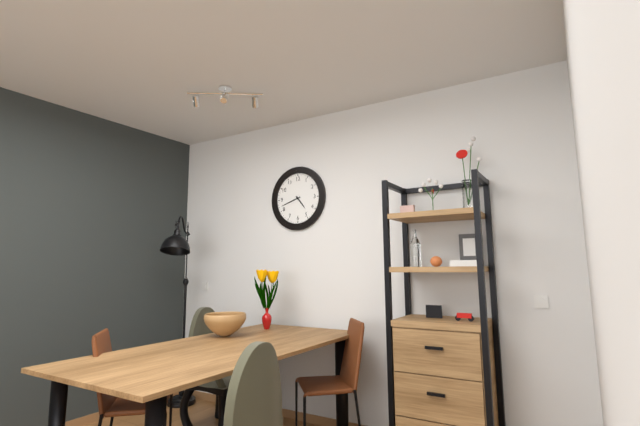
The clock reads 4,42
